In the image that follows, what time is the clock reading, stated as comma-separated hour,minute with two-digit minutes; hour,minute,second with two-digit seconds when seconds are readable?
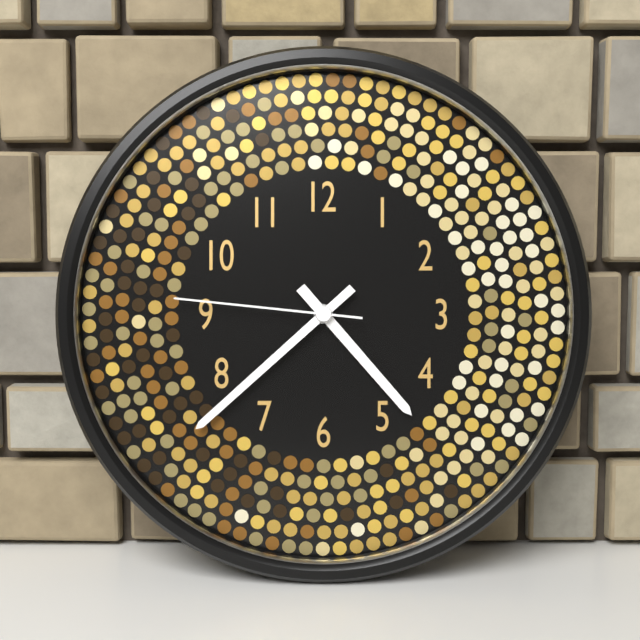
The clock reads 4,38,46
